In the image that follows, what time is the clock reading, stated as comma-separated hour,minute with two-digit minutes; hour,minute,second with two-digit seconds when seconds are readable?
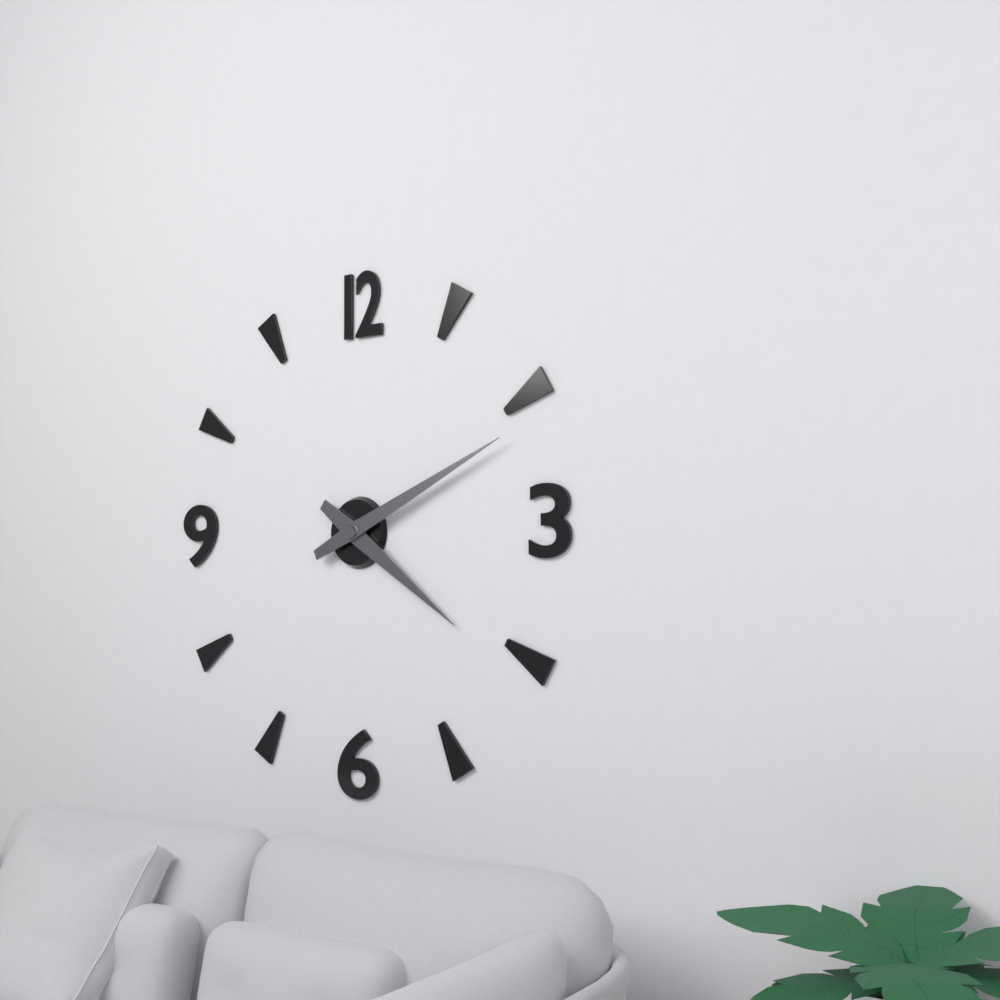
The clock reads 4,11
